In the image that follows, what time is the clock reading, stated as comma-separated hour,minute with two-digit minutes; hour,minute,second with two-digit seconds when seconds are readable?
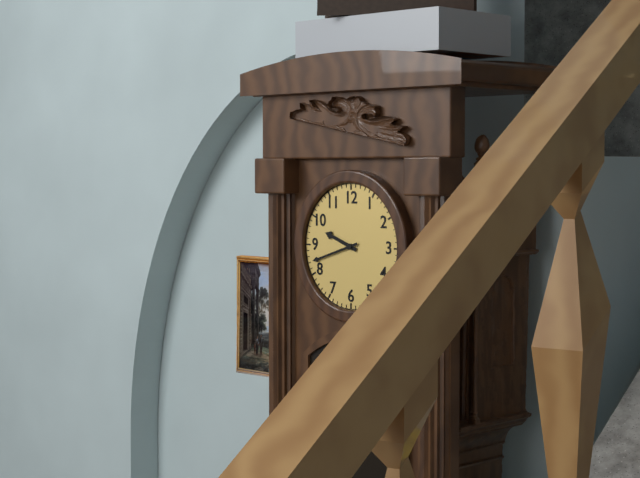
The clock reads 9,42
